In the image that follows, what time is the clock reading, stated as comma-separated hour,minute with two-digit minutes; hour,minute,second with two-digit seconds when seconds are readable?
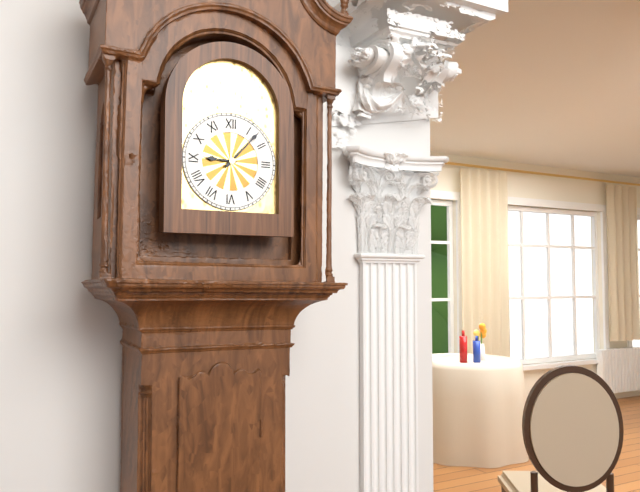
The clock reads 9,07
